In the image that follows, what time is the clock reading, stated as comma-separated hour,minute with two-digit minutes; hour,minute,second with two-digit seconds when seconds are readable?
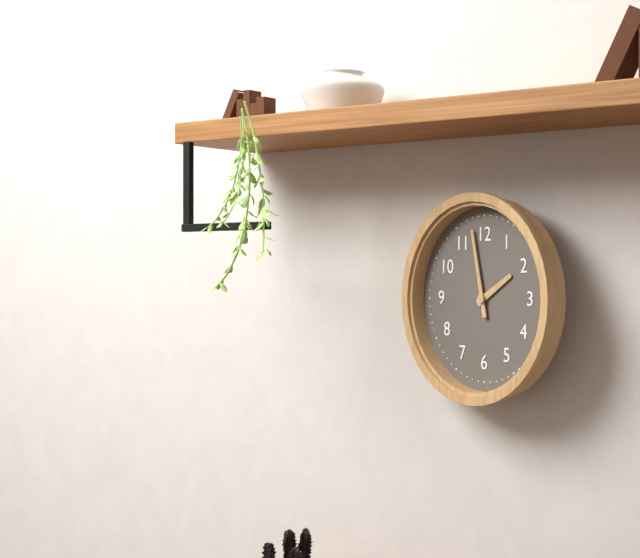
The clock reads 1,58
